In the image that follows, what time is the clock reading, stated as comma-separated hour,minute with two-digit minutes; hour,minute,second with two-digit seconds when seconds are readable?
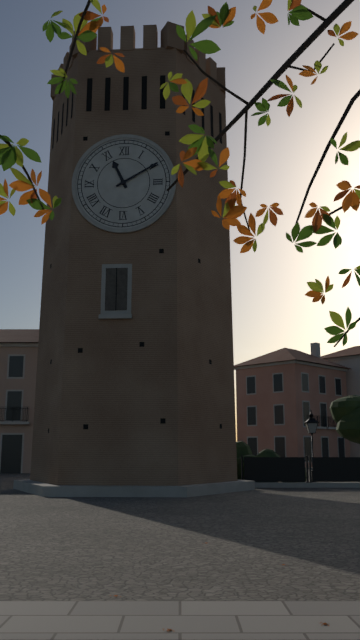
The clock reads 11,10
